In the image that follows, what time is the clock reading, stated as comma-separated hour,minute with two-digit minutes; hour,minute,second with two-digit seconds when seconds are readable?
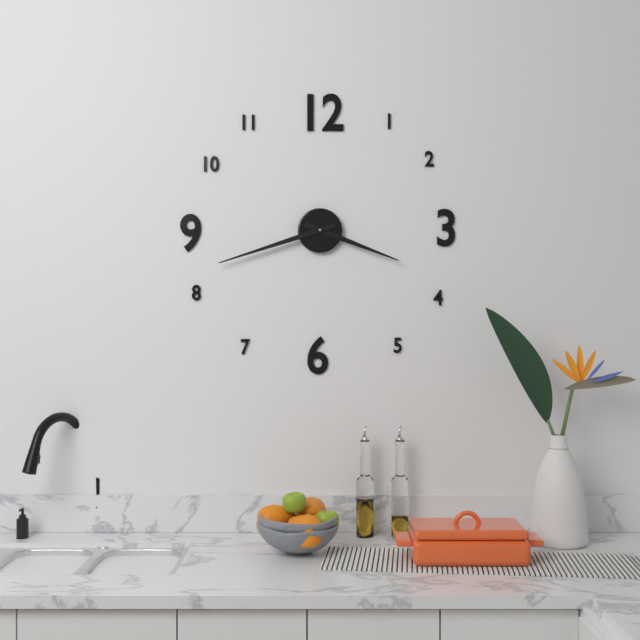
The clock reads 3,42
